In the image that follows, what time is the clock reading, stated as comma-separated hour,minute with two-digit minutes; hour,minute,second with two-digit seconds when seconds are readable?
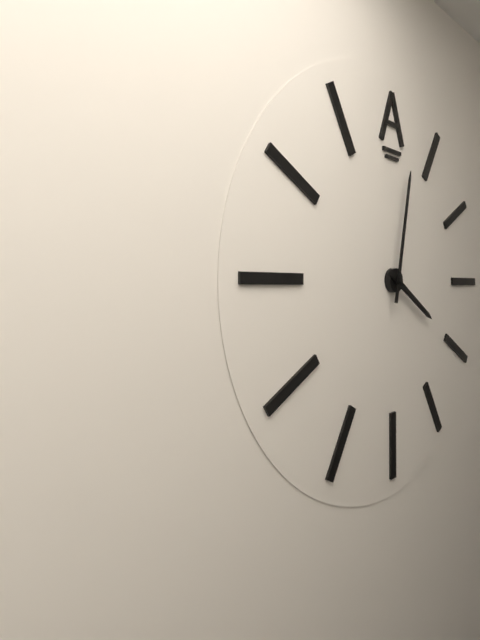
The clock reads 4,02
